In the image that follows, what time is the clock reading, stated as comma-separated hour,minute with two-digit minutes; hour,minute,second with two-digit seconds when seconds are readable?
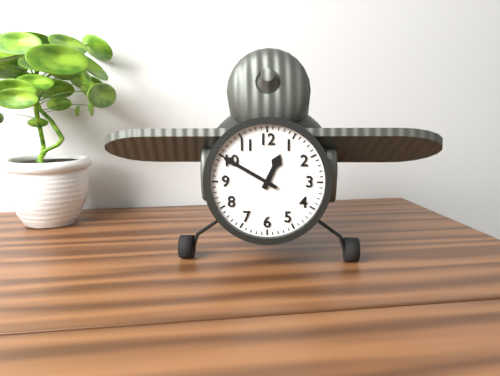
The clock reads 12,50
